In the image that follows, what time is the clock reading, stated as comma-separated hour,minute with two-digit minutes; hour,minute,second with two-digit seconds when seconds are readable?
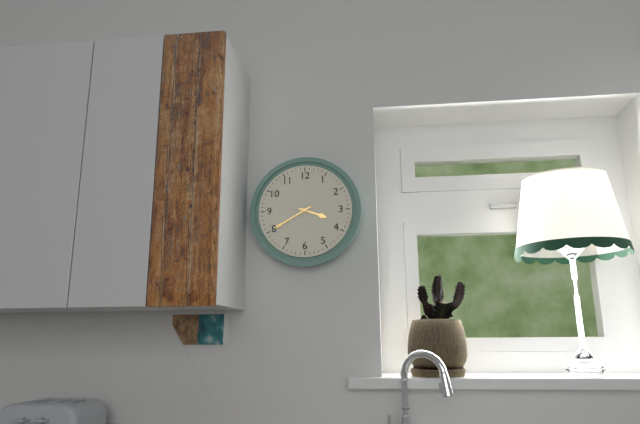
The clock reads 3,40
